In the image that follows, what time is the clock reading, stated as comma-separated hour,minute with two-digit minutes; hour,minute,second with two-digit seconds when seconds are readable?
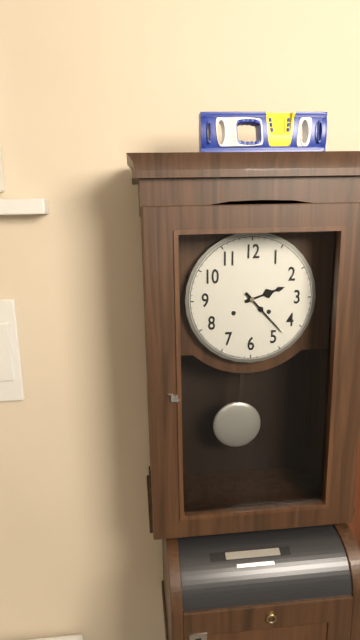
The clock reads 2,23
